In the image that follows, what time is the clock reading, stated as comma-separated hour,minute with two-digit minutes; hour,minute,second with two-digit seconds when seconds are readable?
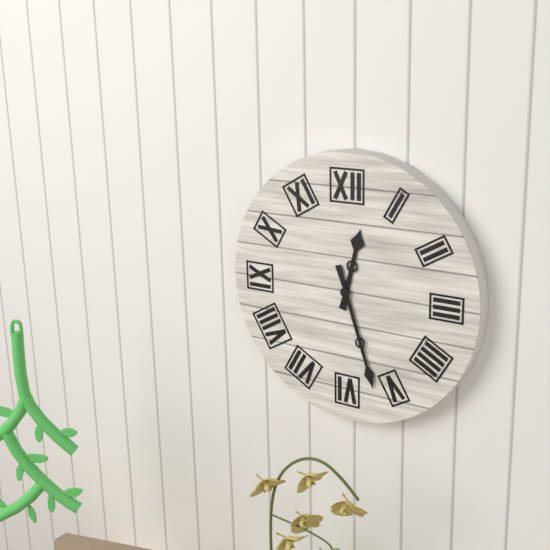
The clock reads 12,27
